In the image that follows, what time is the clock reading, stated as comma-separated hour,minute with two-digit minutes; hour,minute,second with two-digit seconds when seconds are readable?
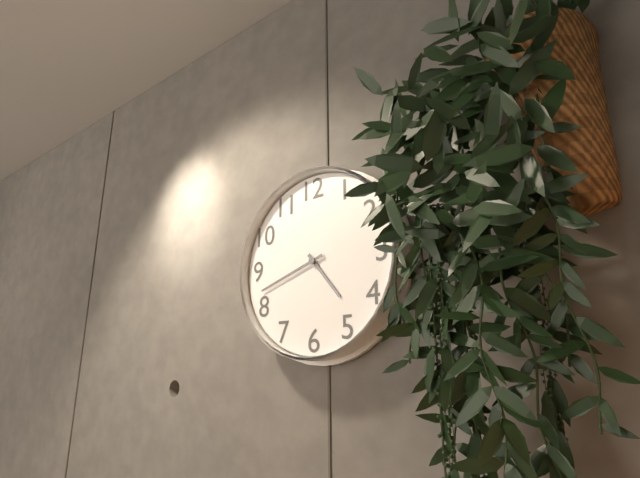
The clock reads 4,42
